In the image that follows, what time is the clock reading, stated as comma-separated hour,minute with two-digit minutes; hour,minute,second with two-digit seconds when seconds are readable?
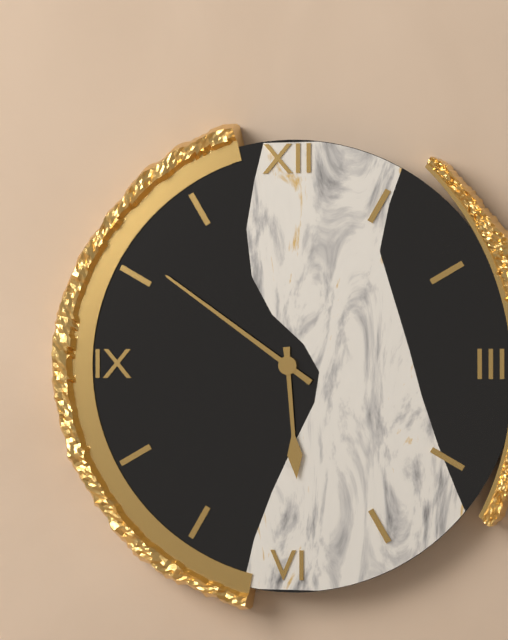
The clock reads 5,51
